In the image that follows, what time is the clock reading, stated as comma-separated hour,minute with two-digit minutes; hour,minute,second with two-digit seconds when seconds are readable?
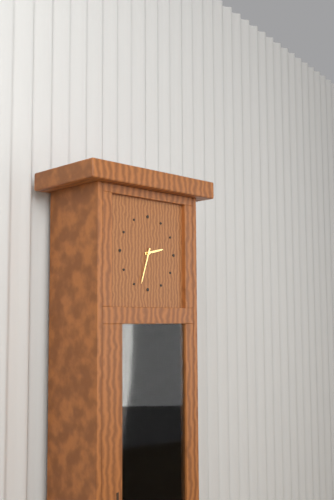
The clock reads 2,33
